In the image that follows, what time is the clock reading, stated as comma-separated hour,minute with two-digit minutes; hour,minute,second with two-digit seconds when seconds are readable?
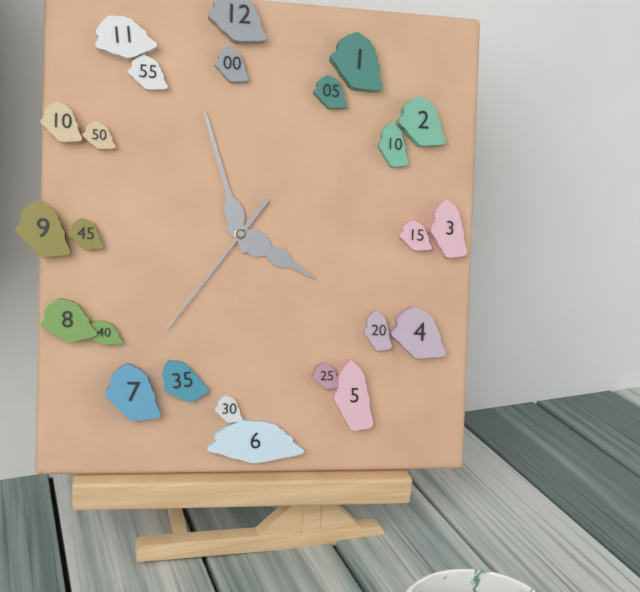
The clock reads 3,57,36
